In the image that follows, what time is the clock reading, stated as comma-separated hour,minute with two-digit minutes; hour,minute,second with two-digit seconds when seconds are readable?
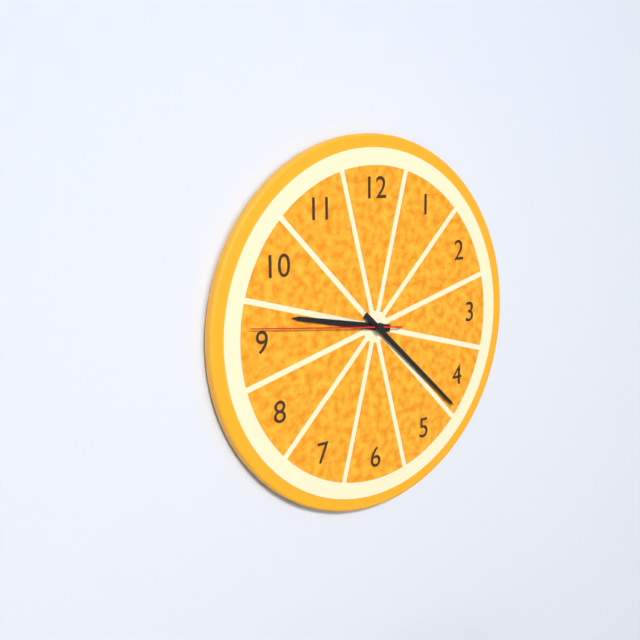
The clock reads 9,22,46
